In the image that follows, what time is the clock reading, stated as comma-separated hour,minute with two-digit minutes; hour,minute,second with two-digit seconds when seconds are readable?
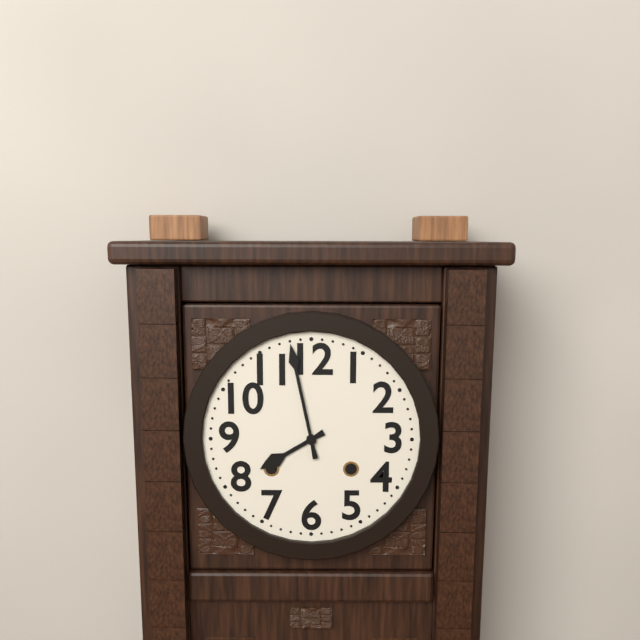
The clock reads 7,58
